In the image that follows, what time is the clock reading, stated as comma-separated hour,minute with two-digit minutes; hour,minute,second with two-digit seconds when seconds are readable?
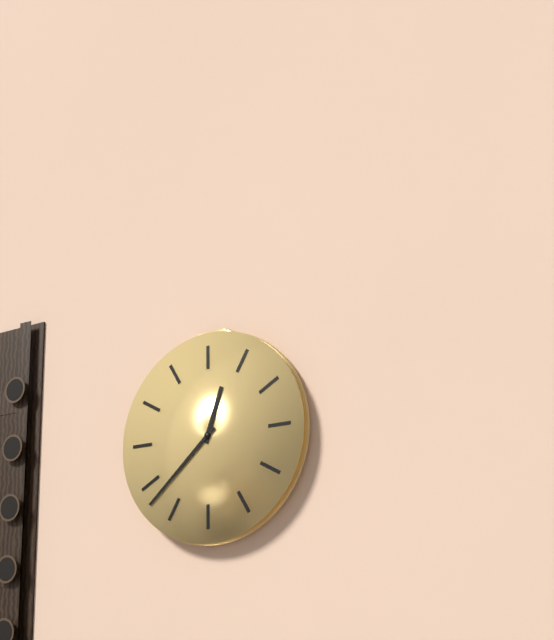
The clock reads 12,38
